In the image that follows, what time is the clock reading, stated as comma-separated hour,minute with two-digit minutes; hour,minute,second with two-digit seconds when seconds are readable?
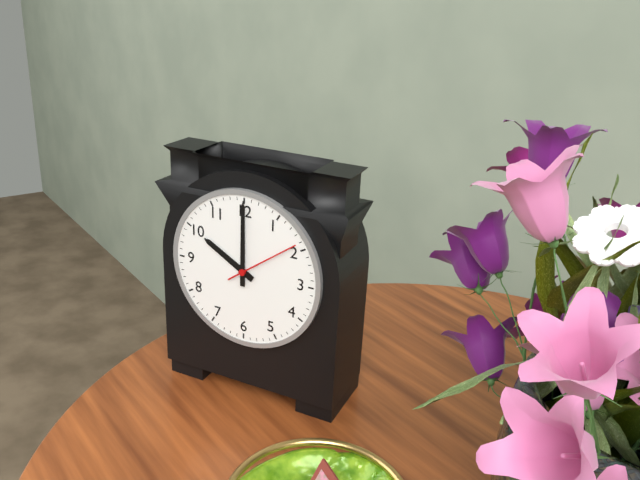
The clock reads 10,00,09
